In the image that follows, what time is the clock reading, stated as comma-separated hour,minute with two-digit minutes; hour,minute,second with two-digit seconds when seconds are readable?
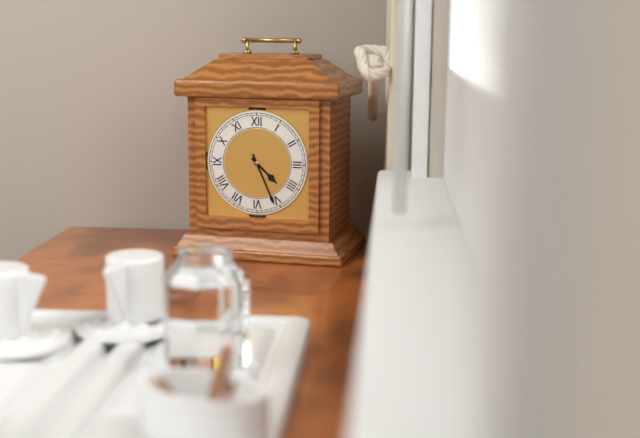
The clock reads 4,26
